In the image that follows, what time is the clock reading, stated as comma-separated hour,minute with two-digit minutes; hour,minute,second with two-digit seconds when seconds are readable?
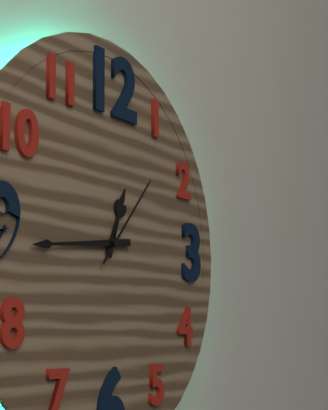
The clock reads 12,44,07
